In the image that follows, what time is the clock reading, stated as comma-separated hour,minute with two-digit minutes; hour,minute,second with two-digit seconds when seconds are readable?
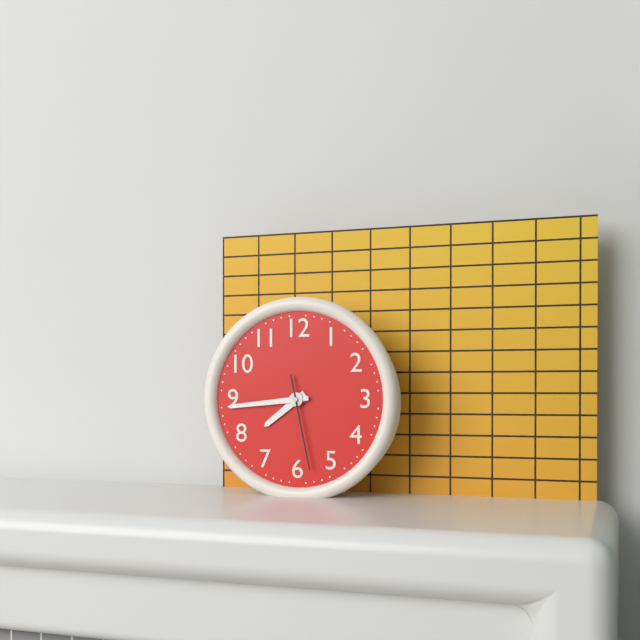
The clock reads 7,44,28
